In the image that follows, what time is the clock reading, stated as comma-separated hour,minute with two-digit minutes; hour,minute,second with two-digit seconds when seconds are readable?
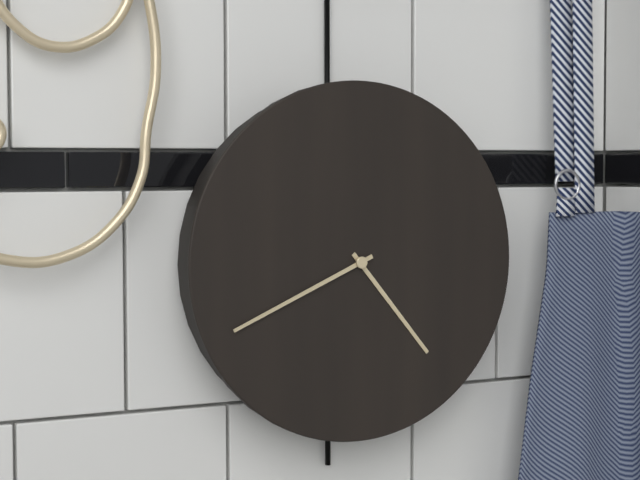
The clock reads 4,41
